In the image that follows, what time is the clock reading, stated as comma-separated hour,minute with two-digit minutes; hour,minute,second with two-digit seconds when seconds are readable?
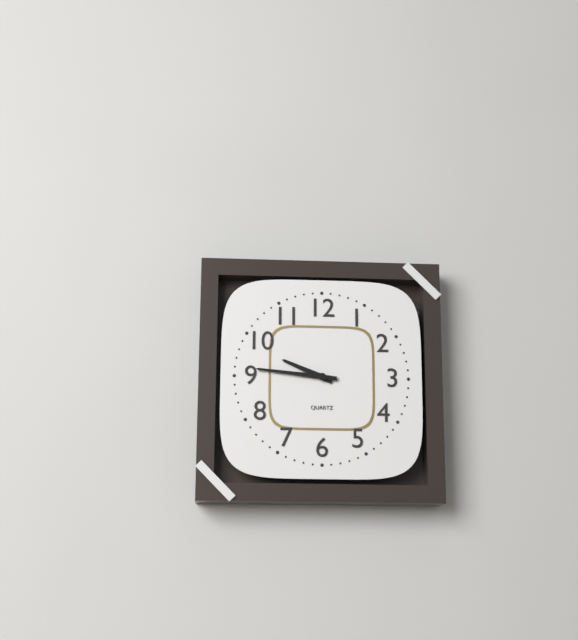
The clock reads 9,46
